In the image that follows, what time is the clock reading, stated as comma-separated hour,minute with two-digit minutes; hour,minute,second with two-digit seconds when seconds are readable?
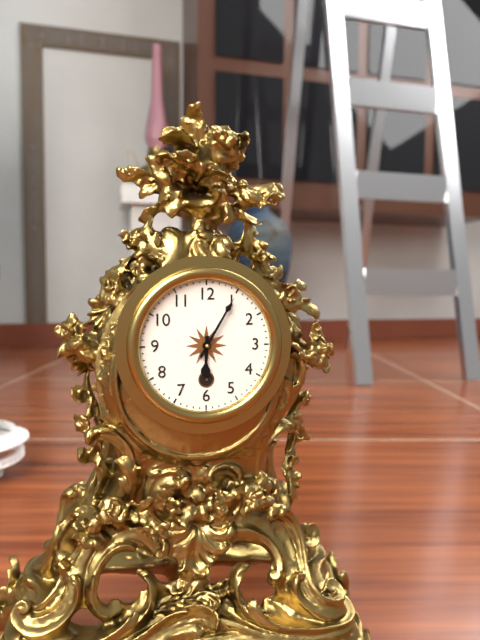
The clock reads 6,05
